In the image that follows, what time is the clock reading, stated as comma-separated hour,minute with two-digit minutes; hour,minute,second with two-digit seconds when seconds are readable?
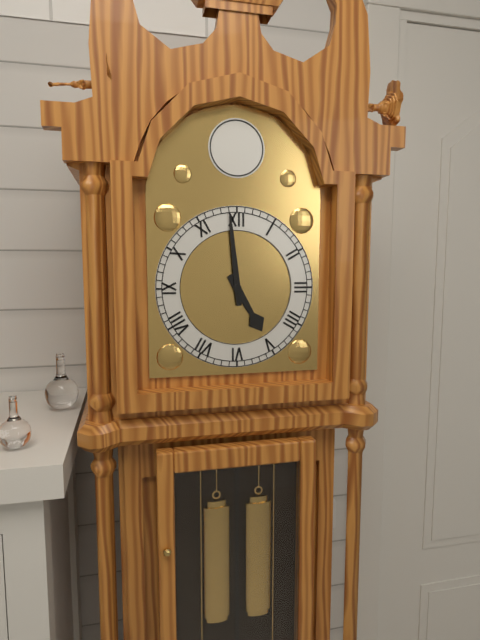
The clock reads 4,59
